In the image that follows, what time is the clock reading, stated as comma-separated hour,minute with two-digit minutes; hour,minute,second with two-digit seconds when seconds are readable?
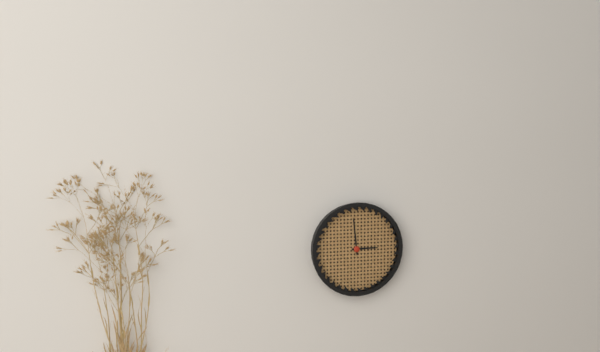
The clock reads 2,59
